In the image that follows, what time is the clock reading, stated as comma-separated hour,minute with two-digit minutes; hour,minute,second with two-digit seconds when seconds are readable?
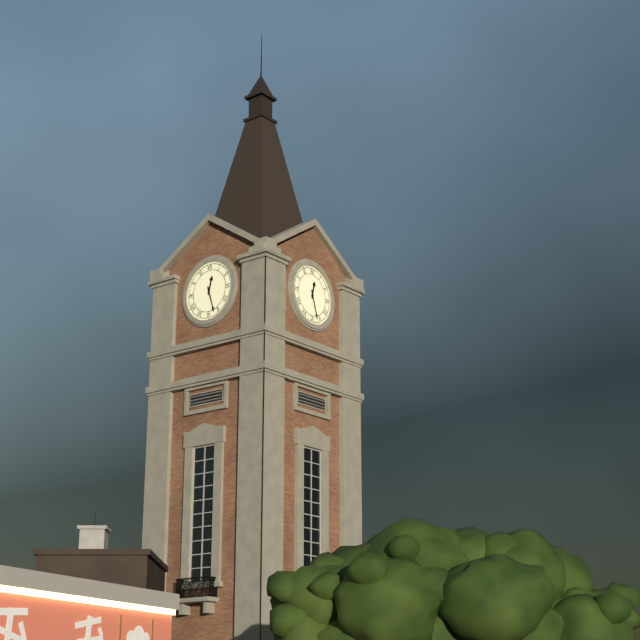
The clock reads 12,27
